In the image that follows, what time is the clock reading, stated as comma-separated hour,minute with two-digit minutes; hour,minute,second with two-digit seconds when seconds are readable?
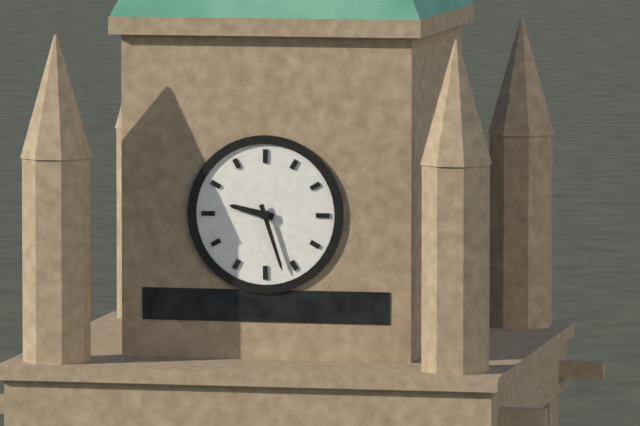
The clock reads 9,27
